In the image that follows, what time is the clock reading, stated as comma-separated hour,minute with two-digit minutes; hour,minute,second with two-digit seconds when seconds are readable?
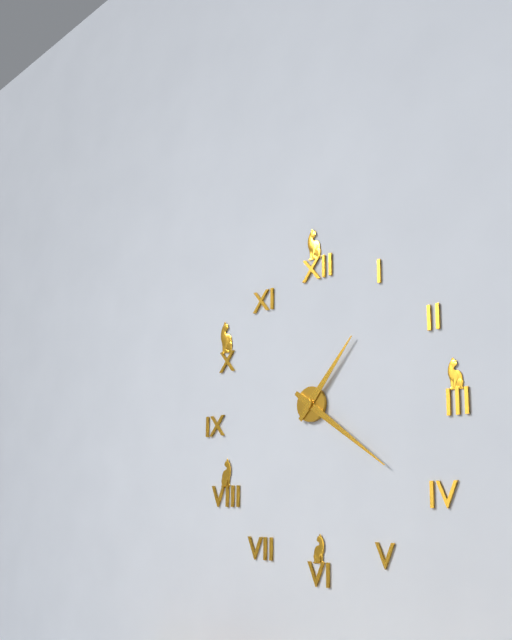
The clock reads 1,21
